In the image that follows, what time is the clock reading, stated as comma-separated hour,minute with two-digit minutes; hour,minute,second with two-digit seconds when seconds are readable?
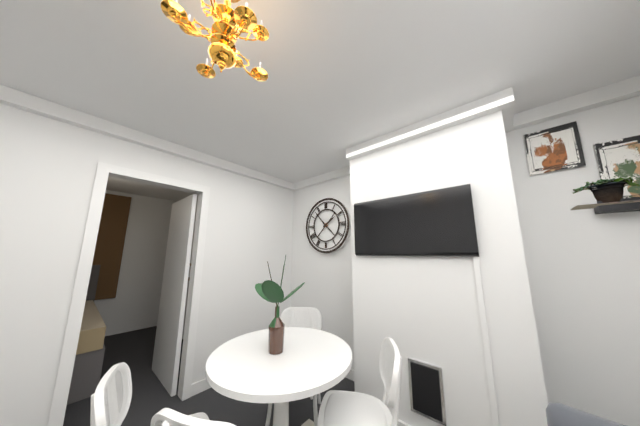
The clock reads 1,53
